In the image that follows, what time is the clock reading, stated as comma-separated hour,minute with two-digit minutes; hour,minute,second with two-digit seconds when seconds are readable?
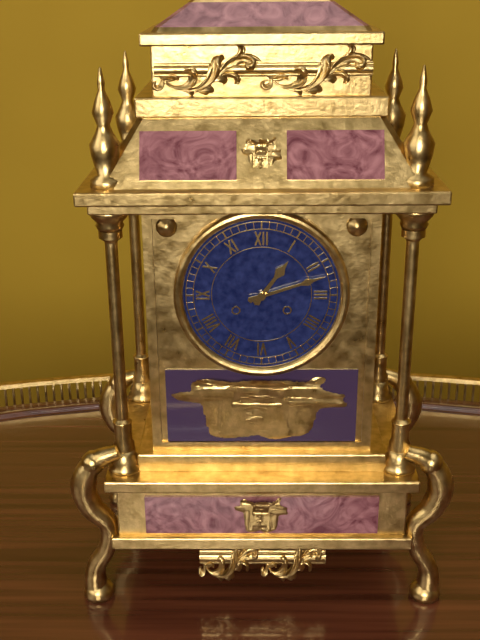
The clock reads 1,12
